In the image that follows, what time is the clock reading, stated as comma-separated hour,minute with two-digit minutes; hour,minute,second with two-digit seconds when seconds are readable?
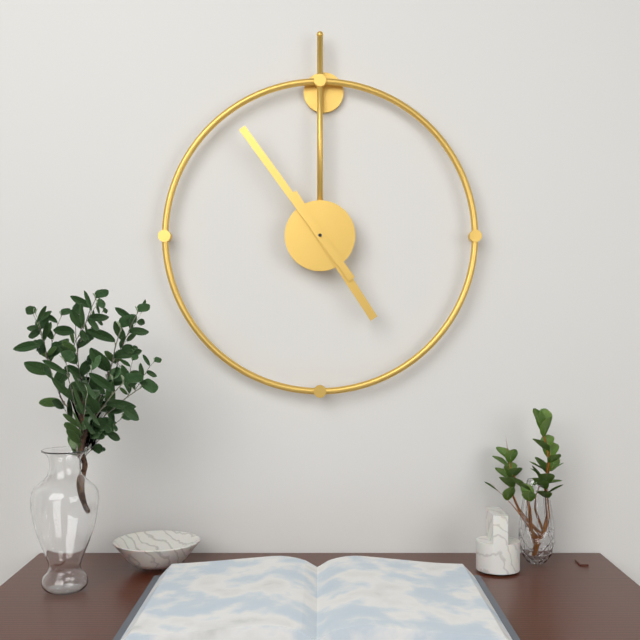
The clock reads 4,54
